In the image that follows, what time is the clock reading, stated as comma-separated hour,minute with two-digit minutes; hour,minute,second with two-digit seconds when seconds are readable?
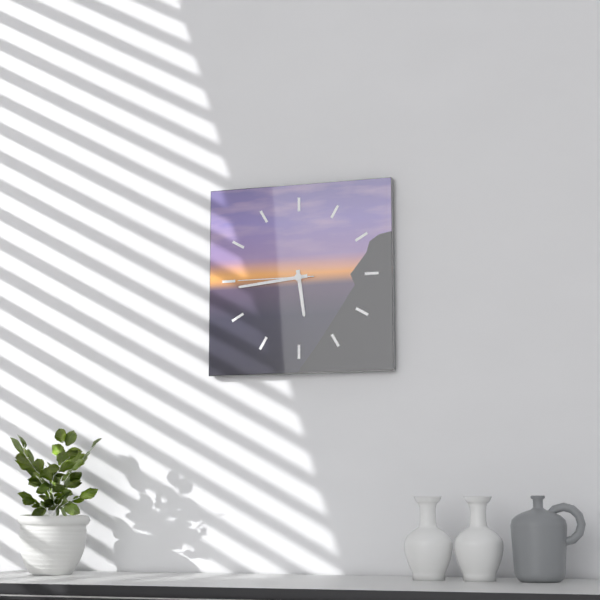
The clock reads 5,44,45
